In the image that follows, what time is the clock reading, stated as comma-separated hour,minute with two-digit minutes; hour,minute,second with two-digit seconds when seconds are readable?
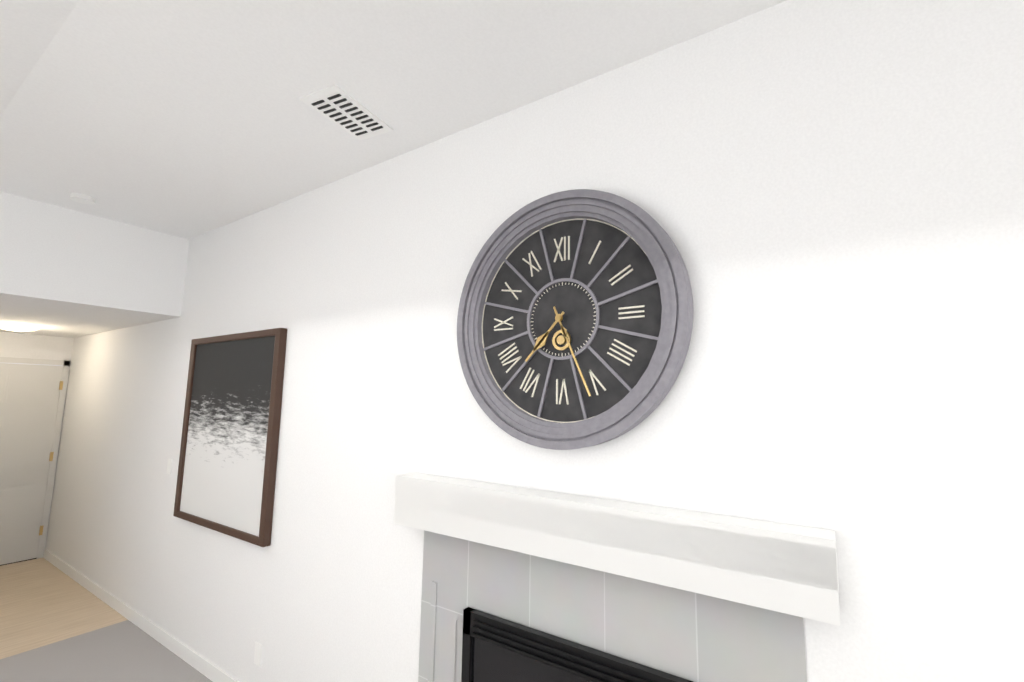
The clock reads 7,26
